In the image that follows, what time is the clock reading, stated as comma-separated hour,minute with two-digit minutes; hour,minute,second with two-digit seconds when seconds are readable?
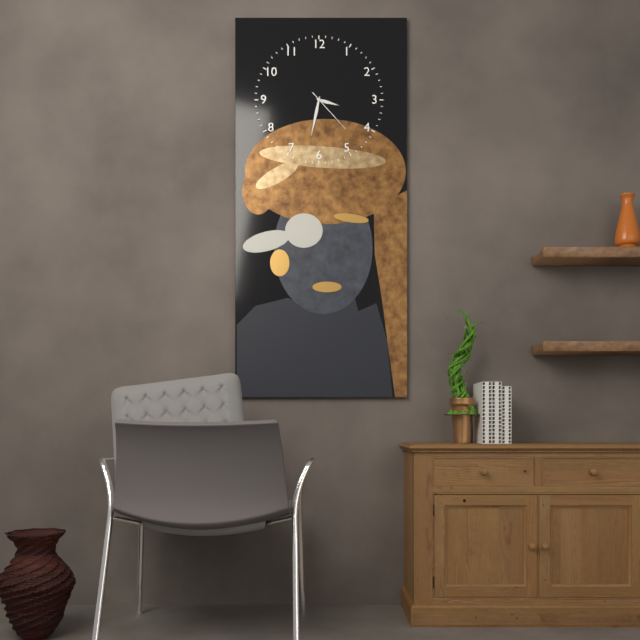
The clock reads 3,32
